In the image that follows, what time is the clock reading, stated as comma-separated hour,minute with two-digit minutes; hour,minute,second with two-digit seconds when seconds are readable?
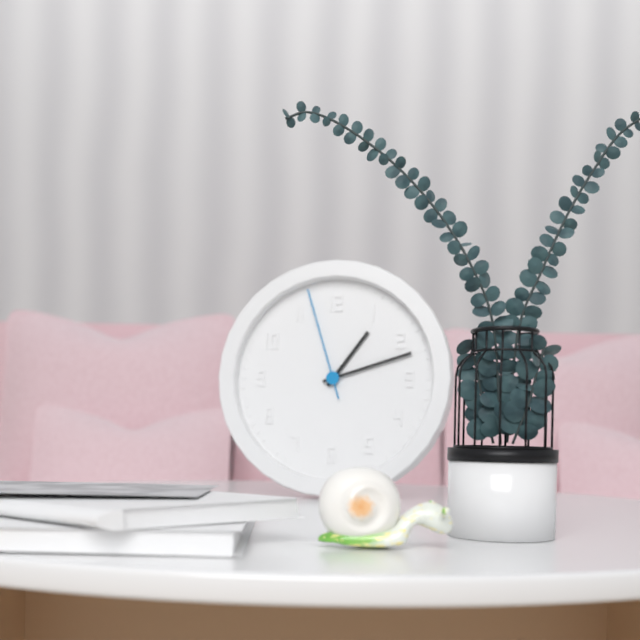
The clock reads 1,12,57
